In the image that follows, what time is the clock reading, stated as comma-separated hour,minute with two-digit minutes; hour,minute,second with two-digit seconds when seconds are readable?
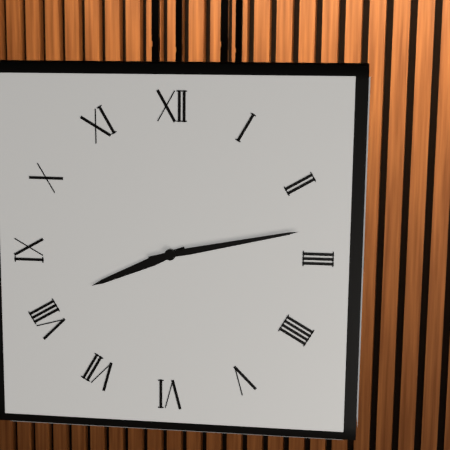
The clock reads 8,13
